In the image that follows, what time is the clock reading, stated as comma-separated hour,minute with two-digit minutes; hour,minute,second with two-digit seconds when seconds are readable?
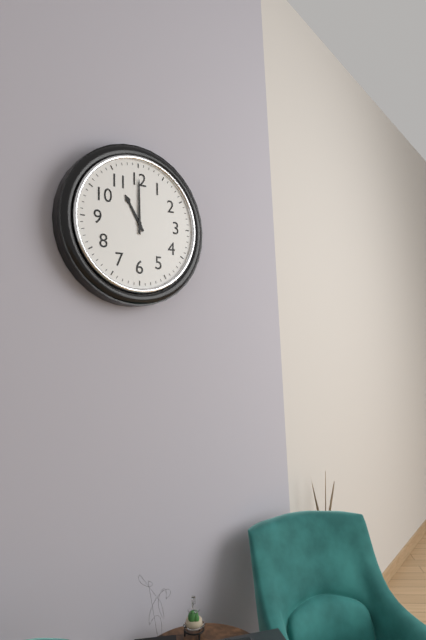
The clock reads 11,00
